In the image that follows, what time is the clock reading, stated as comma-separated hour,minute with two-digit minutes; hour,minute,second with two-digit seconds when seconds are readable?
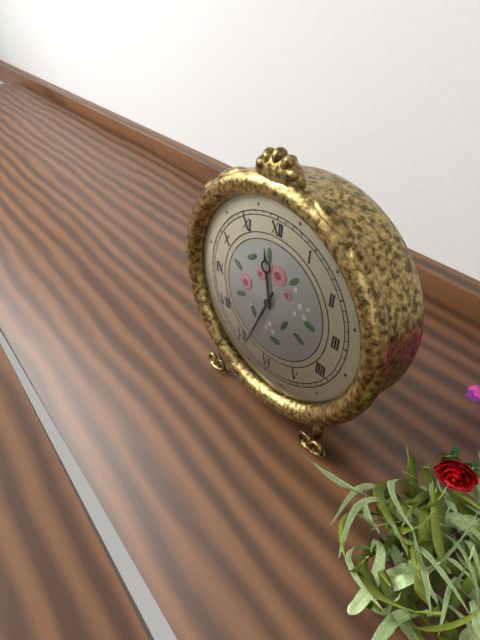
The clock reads 11,34
